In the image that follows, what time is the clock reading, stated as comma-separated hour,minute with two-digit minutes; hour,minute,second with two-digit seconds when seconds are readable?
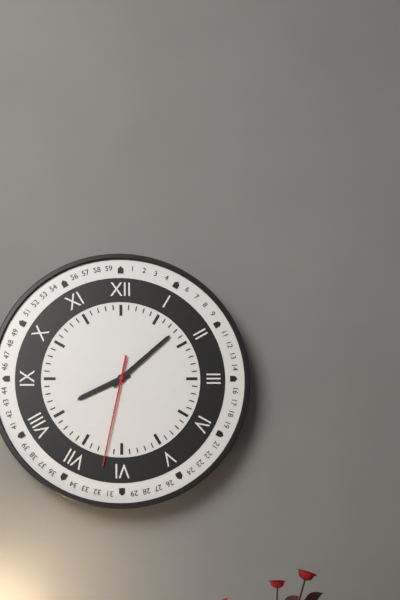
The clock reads 8,08,32
